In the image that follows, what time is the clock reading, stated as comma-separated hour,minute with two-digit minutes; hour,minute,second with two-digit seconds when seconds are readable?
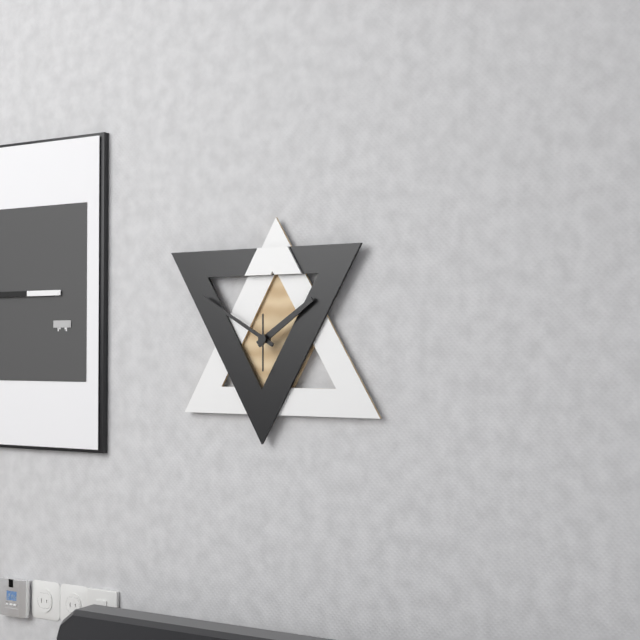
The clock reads 1,50
